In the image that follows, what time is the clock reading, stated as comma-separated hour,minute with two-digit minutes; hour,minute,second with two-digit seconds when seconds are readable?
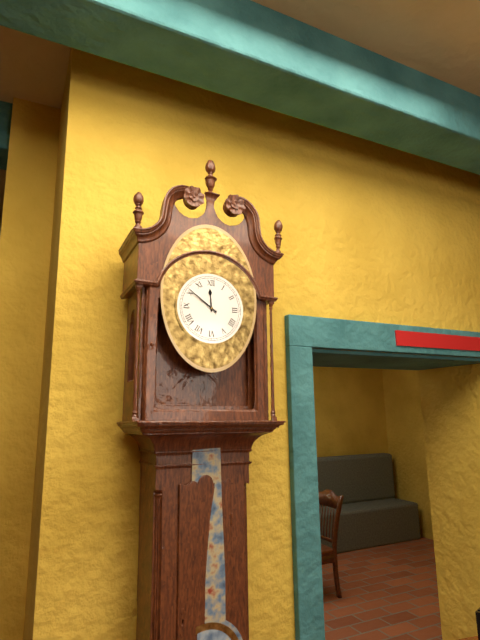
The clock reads 11,51
